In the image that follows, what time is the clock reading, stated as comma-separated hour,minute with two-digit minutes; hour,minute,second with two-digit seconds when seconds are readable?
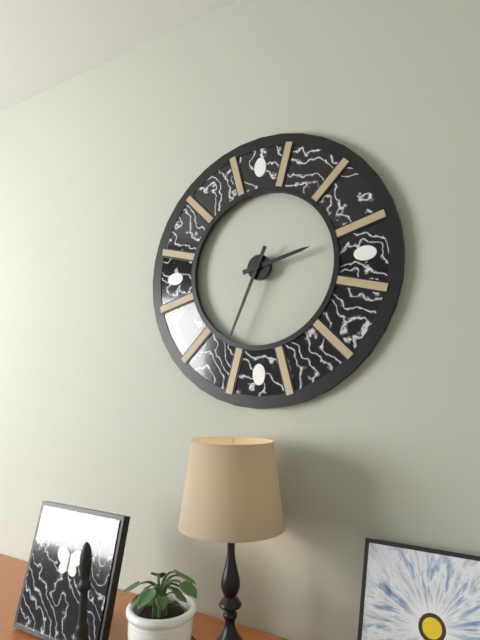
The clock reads 2,34
